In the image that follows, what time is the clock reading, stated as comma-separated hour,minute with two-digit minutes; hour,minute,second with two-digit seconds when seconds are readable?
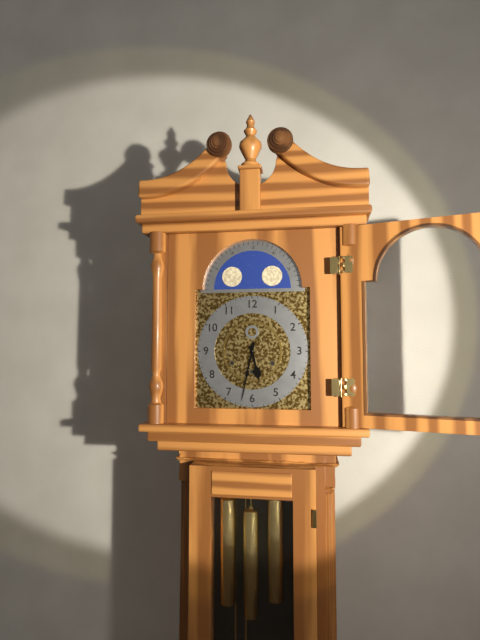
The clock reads 5,32
